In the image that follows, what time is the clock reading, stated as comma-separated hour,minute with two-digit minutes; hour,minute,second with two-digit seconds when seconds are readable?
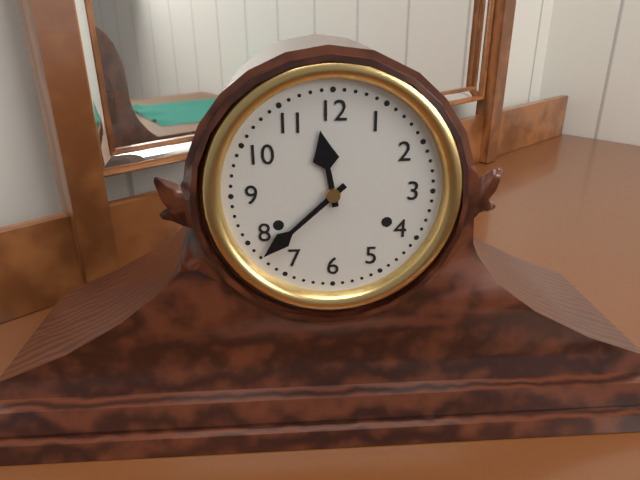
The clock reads 11,38
